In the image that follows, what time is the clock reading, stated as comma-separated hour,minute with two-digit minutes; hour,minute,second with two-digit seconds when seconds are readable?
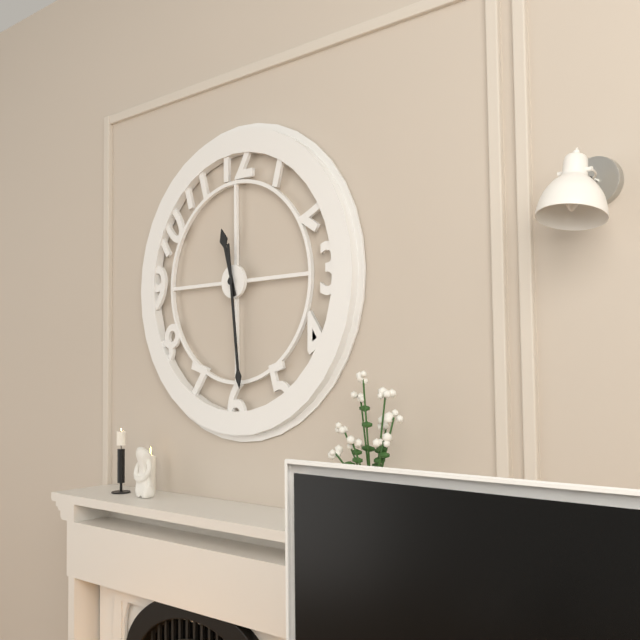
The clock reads 11,29
